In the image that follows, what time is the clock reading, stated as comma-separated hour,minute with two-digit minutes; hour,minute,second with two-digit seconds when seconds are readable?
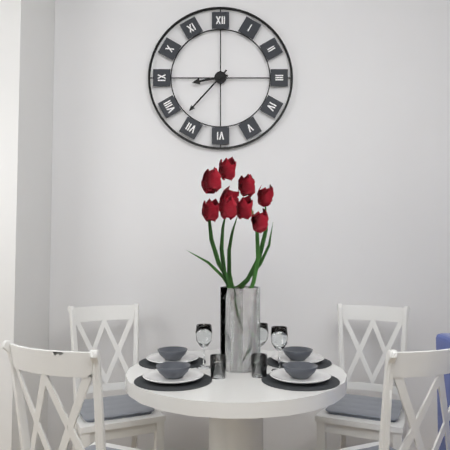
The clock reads 8,37
